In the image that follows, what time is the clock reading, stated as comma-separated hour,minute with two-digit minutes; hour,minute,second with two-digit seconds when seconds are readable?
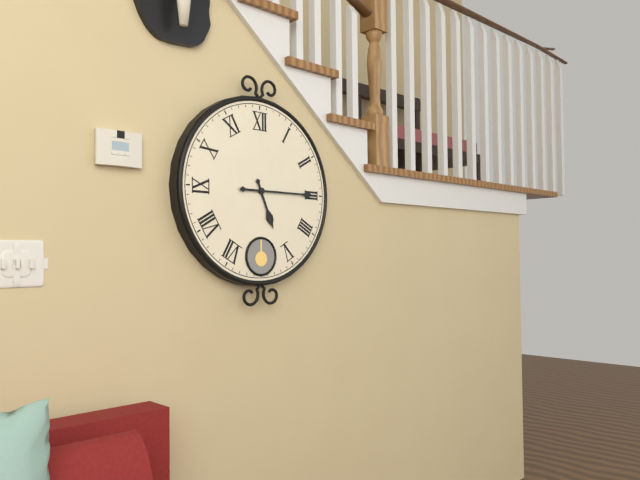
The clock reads 5,15
